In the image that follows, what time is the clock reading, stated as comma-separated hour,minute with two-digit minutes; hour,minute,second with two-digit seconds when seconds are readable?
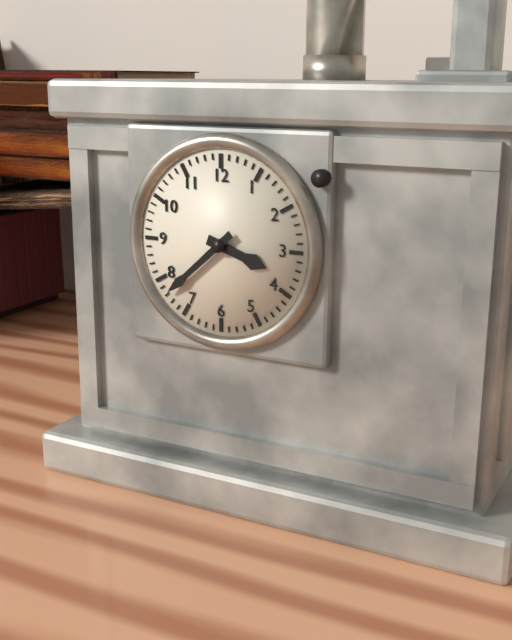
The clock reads 3,38
